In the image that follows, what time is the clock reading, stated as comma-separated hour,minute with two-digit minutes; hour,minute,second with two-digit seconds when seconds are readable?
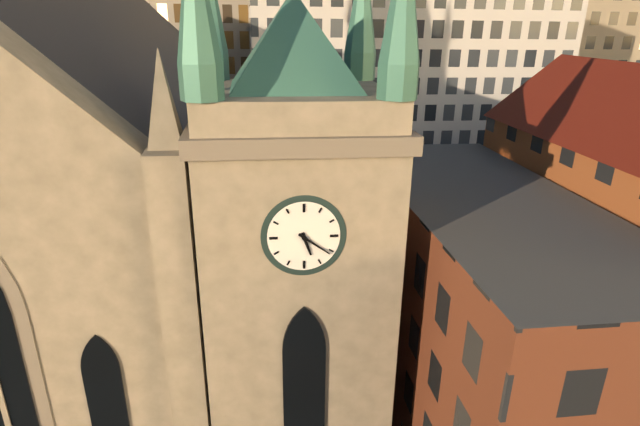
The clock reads 5,21
